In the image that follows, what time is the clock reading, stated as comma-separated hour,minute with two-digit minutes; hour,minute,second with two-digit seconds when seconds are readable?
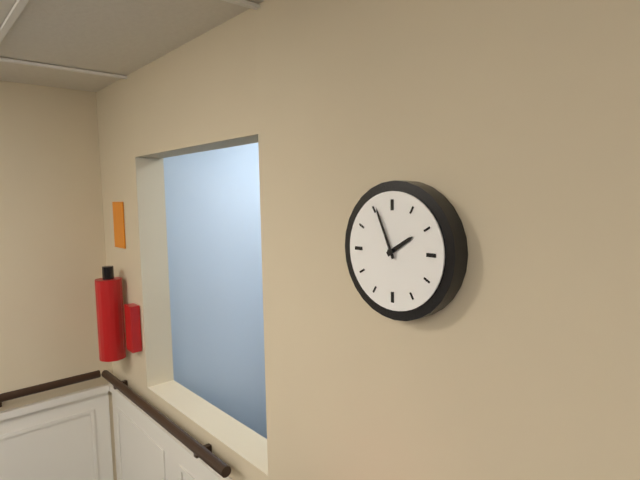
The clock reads 1,56
